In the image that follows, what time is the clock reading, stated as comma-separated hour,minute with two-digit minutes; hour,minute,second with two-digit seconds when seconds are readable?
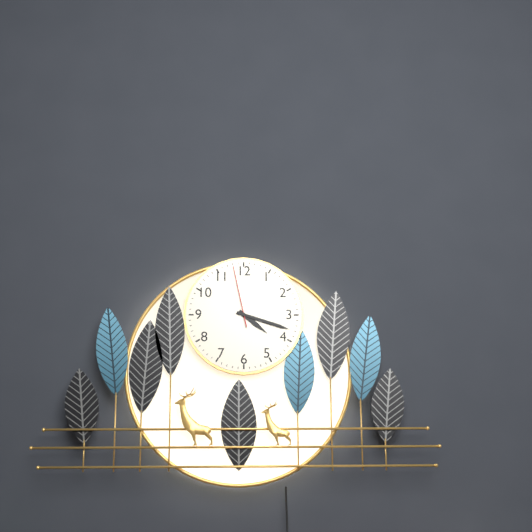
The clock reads 4,18,58
